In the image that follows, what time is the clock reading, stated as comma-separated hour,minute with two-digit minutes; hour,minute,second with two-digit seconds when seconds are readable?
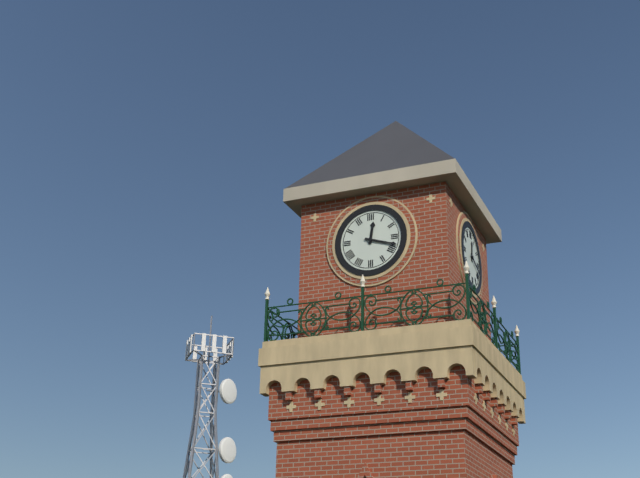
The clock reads 12,18
